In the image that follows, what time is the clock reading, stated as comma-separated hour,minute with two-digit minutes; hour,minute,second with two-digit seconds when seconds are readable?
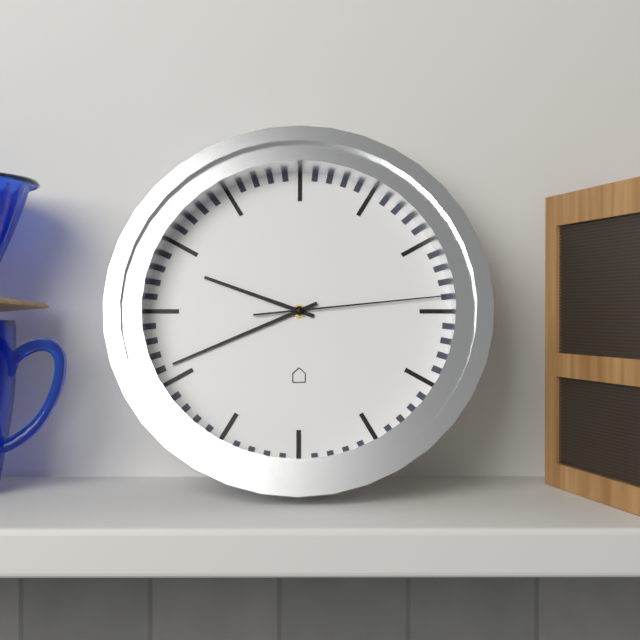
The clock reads 9,41,14
